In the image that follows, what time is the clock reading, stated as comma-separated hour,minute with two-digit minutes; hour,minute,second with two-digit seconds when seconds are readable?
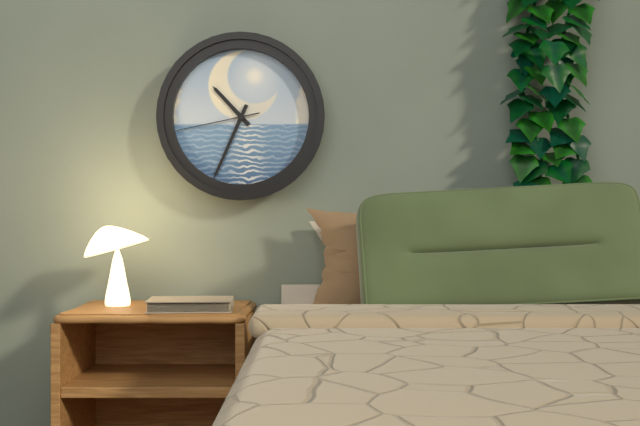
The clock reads 10,34,43
